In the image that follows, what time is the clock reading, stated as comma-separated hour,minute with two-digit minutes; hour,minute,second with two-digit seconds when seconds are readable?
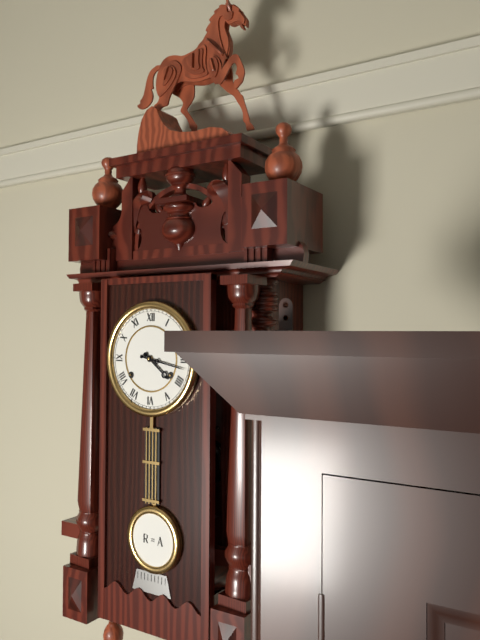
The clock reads 4,17
